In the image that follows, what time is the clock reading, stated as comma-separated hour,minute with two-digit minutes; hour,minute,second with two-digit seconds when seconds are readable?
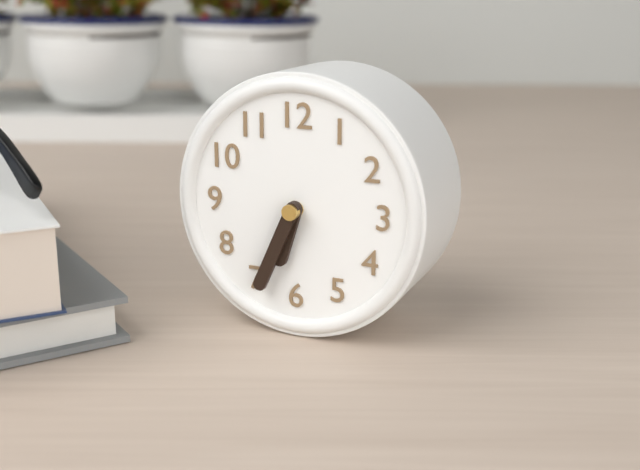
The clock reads 6,34
